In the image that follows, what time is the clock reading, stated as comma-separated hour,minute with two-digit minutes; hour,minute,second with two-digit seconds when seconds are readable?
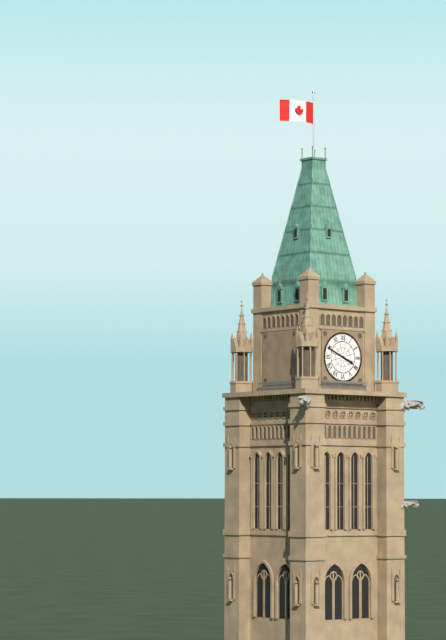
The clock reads 3,49
